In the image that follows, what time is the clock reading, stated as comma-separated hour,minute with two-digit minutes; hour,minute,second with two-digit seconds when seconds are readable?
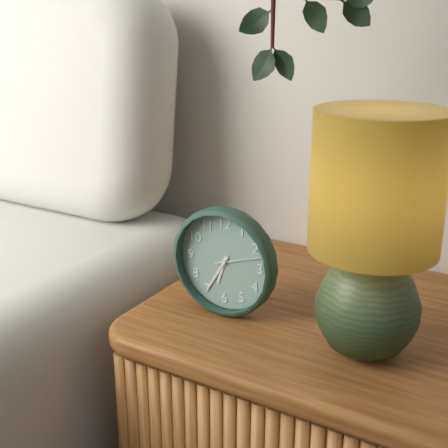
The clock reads 6,35
